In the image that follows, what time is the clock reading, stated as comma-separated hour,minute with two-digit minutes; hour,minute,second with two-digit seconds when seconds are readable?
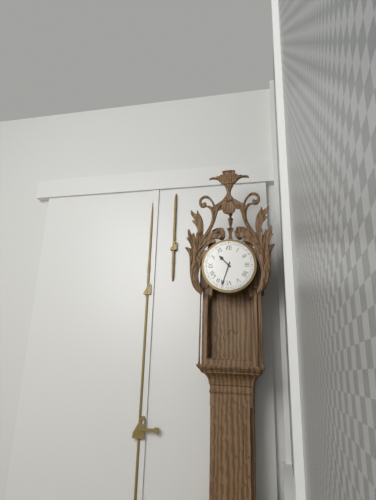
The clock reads 10,33
